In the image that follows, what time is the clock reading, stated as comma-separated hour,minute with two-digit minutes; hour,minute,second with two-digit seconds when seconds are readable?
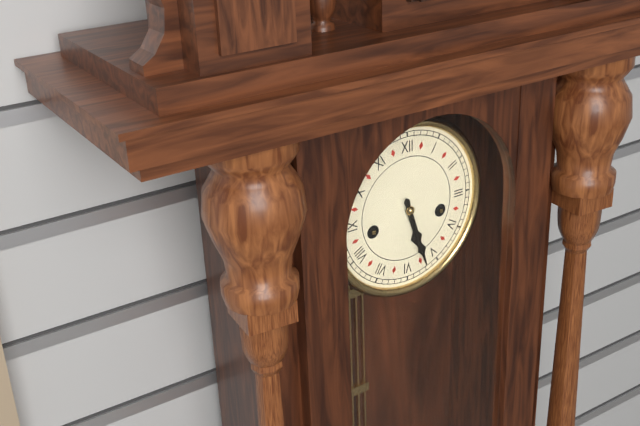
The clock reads 5,27
